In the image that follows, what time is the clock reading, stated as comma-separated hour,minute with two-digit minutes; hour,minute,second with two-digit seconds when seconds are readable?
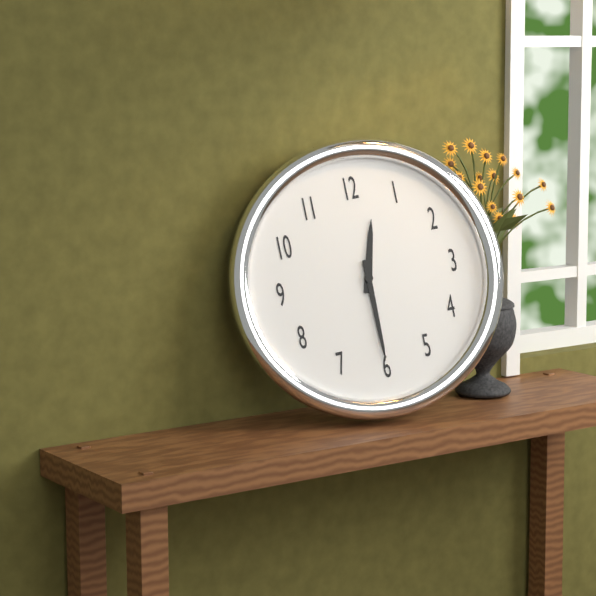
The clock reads 12,30
